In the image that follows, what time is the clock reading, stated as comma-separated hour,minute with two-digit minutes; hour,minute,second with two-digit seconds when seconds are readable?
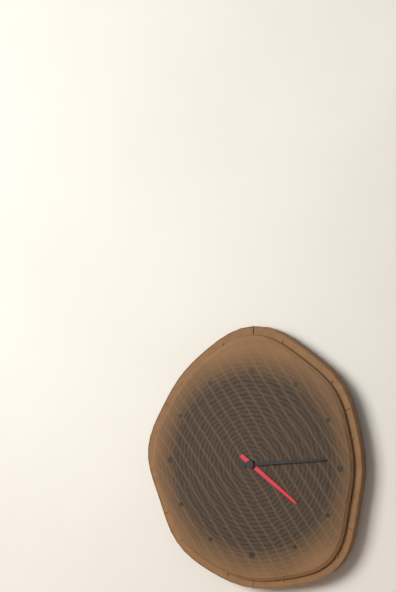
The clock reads 4,14
